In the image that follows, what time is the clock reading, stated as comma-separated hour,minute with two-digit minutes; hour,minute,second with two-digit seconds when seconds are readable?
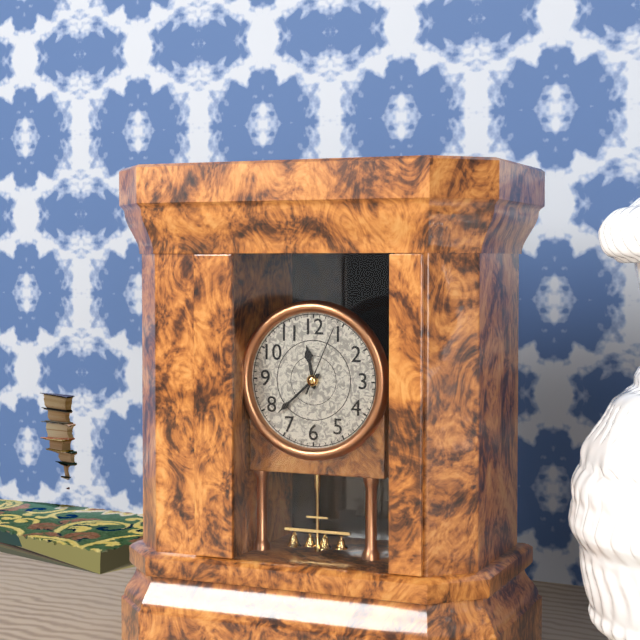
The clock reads 11,38,04
